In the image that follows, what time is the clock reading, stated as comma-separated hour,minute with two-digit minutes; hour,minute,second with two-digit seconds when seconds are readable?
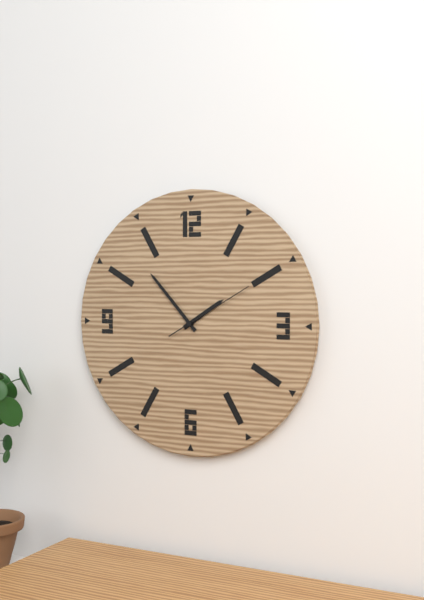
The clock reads 1,53,10
